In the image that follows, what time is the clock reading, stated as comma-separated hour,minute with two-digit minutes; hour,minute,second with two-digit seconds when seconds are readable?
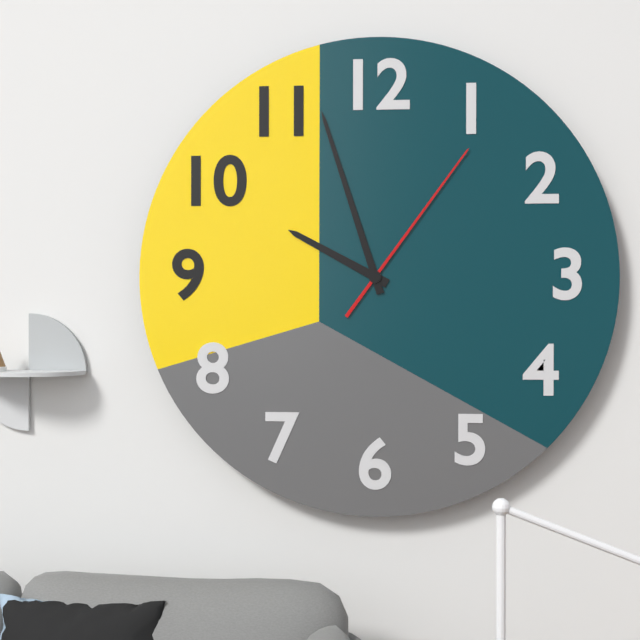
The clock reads 9,57,06
